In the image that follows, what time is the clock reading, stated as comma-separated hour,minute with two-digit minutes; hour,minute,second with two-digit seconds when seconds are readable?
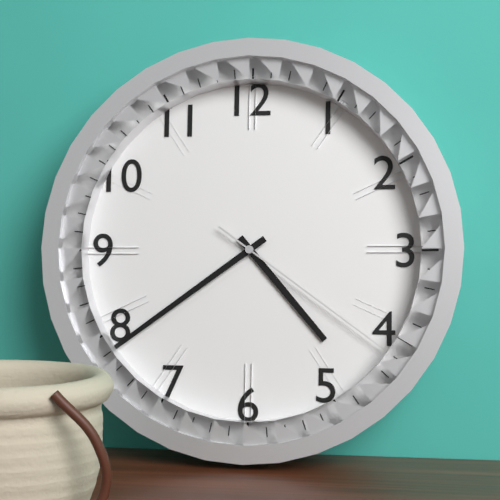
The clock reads 4,39,21
